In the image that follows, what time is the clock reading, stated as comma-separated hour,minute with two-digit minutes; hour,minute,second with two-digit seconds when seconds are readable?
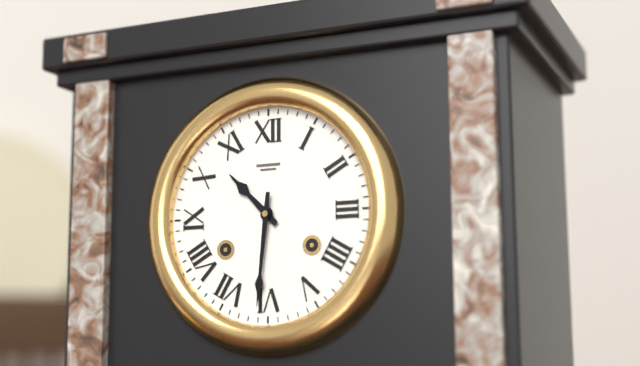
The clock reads 10,31
